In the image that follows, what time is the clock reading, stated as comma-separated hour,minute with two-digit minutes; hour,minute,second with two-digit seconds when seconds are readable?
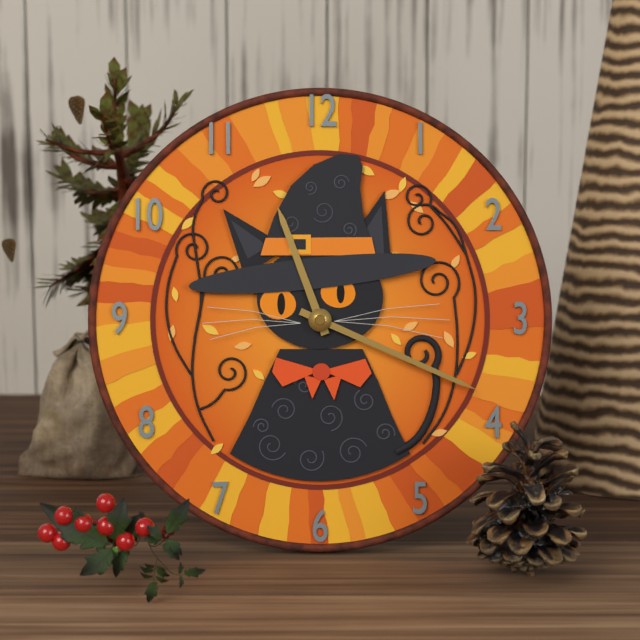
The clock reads 11,19
